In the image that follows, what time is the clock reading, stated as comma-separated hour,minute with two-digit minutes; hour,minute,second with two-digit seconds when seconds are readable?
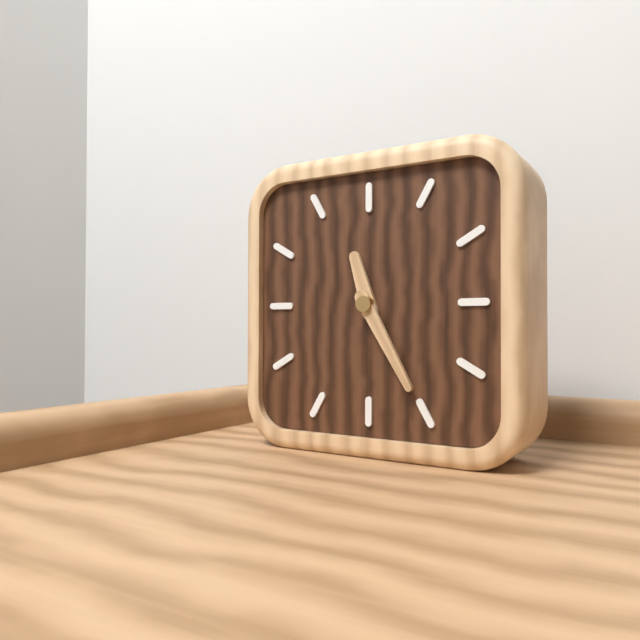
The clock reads 11,25
